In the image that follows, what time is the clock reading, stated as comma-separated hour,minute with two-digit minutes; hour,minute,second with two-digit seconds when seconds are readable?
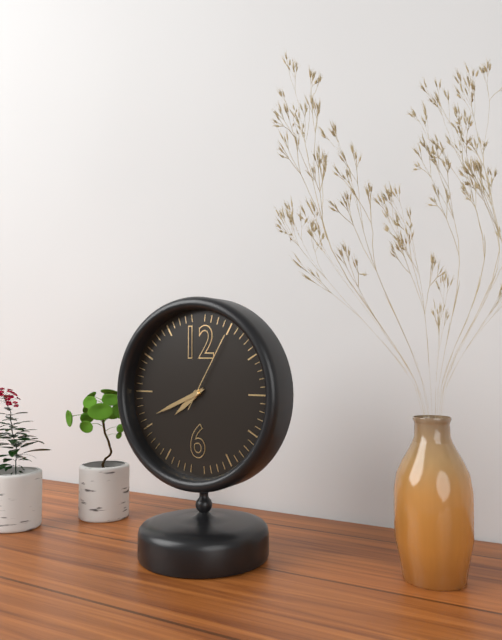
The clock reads 7,41,05
